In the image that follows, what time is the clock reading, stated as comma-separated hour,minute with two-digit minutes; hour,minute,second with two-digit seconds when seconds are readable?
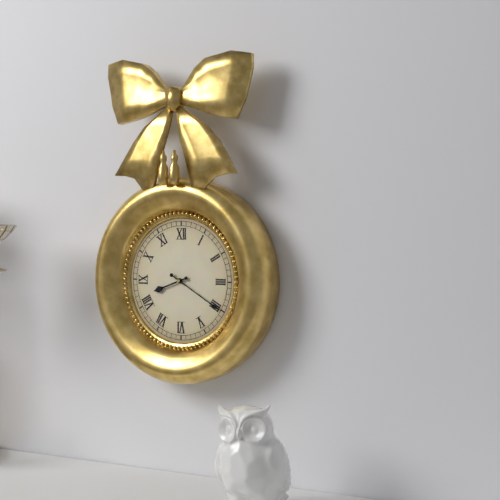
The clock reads 8,20
